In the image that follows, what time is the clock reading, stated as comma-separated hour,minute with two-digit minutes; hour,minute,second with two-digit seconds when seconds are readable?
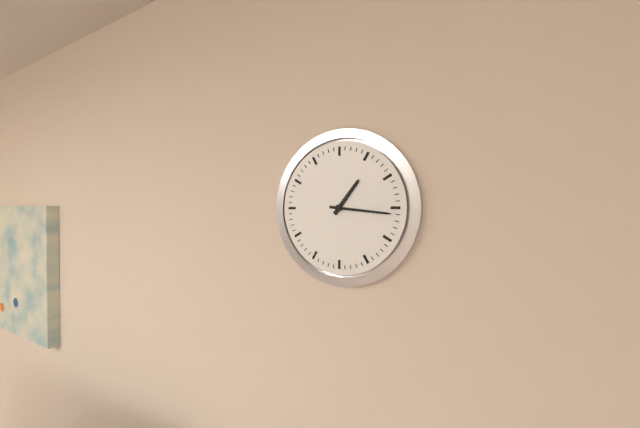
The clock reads 1,16
